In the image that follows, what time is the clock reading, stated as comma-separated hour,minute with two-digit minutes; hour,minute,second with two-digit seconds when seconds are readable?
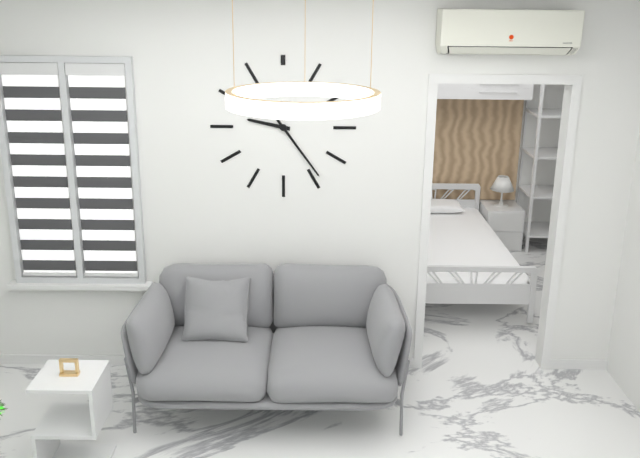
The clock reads 9,24
